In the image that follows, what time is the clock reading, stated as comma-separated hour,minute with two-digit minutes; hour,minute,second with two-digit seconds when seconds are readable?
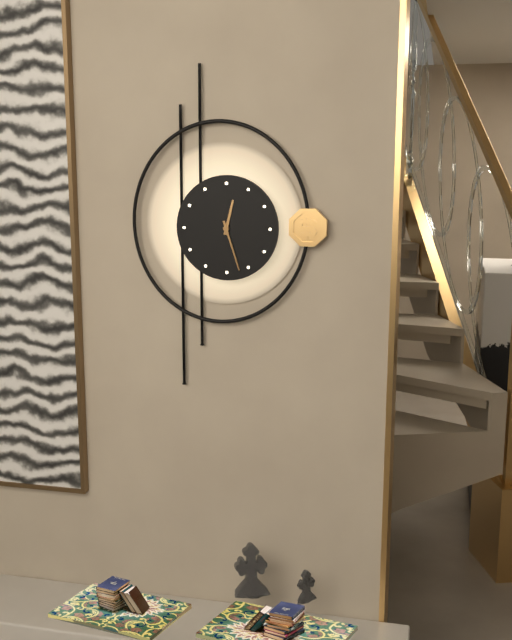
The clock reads 12,27
